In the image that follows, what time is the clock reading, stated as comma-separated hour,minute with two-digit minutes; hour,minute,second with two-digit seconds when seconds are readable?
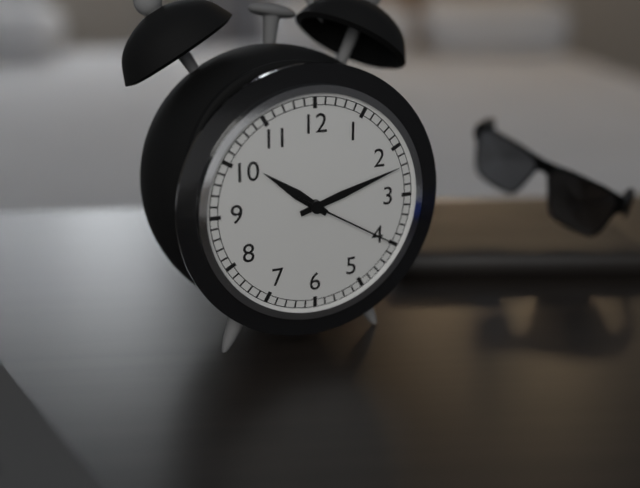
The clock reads 10,12,20
